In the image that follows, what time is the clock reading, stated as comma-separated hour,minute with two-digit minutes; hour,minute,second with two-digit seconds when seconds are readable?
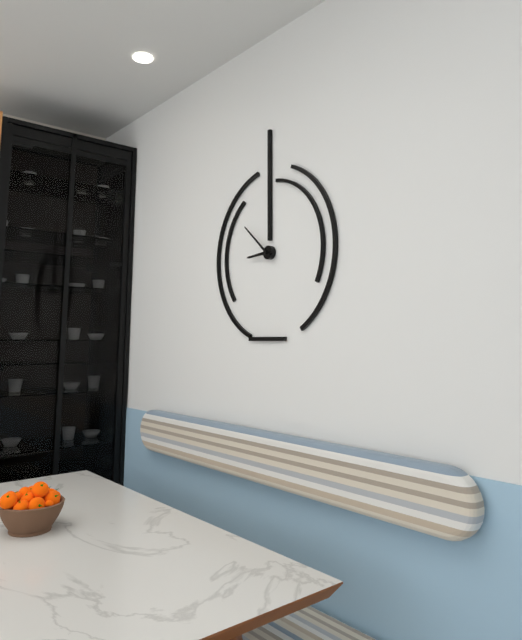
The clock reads 8,52
